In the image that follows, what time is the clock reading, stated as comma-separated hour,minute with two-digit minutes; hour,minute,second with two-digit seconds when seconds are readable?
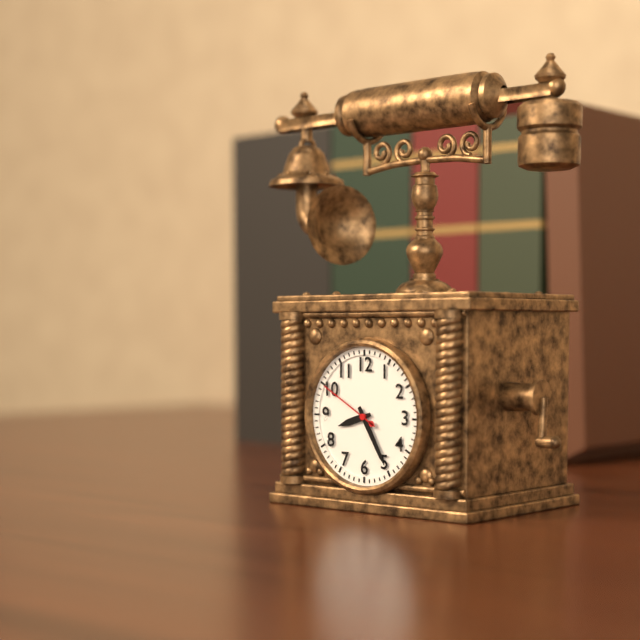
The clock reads 8,25,50
